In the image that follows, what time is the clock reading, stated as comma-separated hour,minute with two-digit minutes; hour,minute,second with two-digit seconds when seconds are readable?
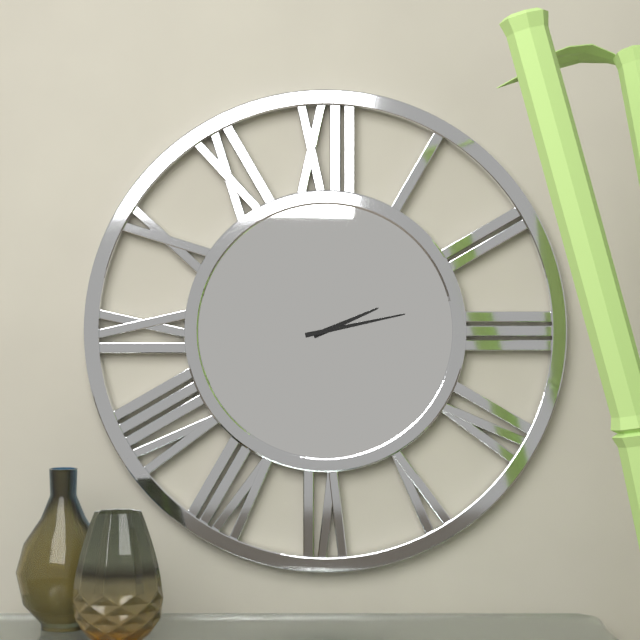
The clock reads 2,13
